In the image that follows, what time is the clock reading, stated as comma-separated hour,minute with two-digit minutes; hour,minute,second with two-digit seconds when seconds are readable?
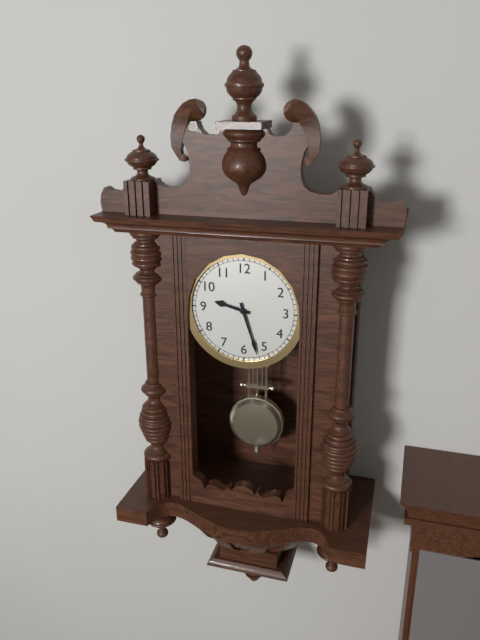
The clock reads 9,27
